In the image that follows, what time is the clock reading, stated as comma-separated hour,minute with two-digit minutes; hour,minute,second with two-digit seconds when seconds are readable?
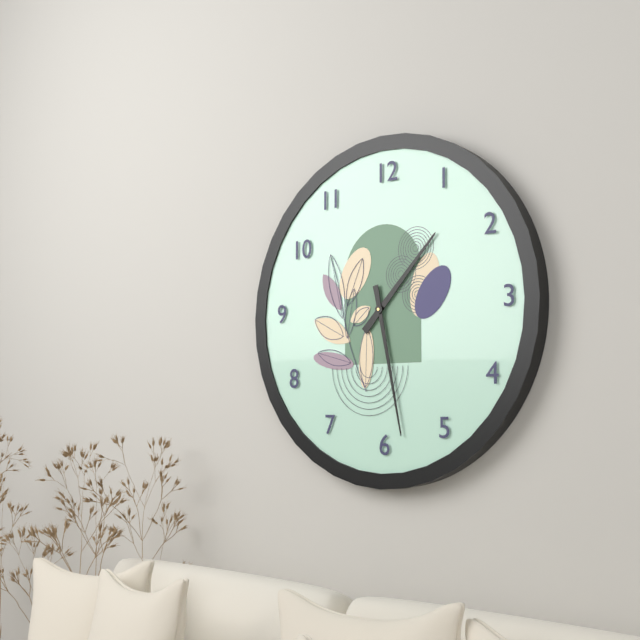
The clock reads 1,28
